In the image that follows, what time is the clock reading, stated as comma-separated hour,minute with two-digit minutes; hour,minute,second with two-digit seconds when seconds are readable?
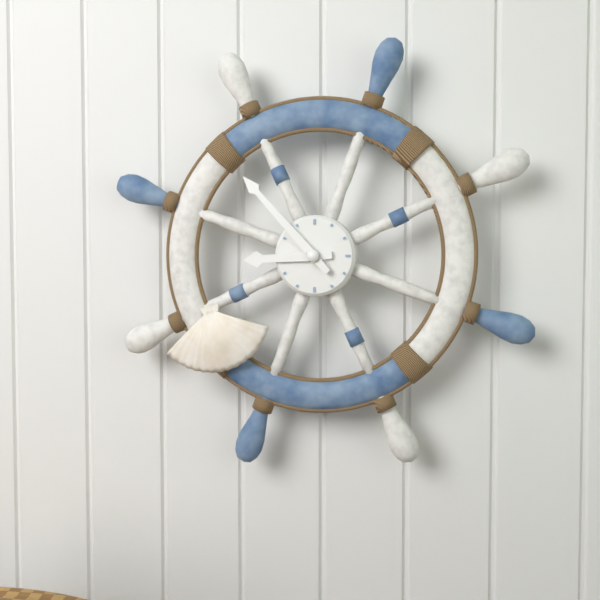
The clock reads 8,53
